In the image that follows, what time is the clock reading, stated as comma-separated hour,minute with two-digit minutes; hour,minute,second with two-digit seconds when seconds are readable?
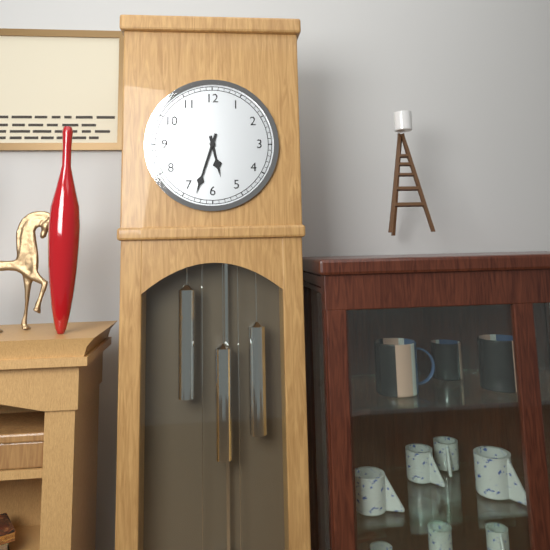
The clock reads 5,33
